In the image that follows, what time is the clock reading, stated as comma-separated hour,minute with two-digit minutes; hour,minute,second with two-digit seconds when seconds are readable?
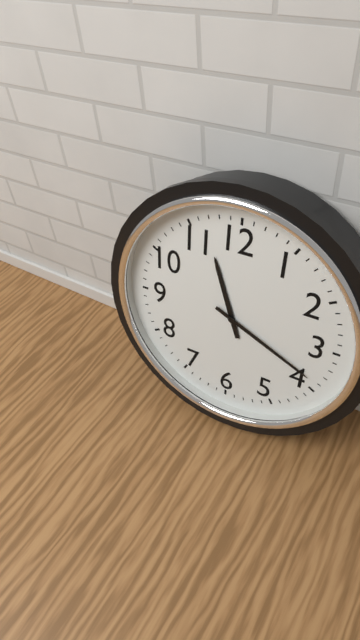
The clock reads 11,19
